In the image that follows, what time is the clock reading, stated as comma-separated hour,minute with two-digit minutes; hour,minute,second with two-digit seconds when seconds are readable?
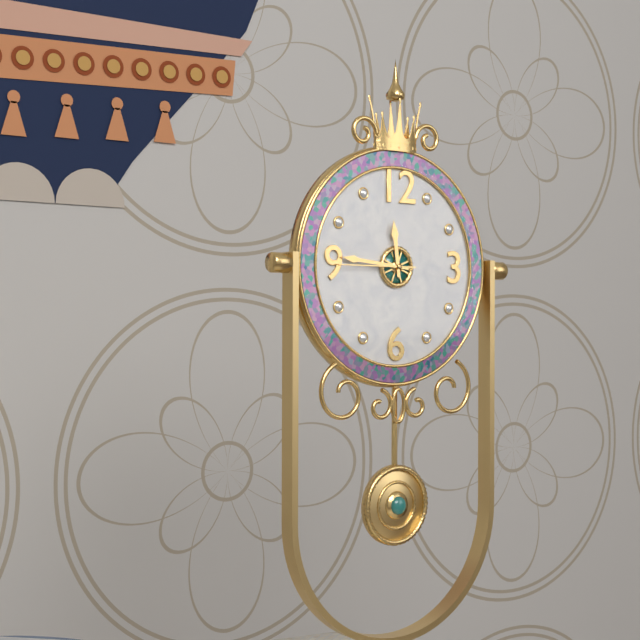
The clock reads 11,46,45
